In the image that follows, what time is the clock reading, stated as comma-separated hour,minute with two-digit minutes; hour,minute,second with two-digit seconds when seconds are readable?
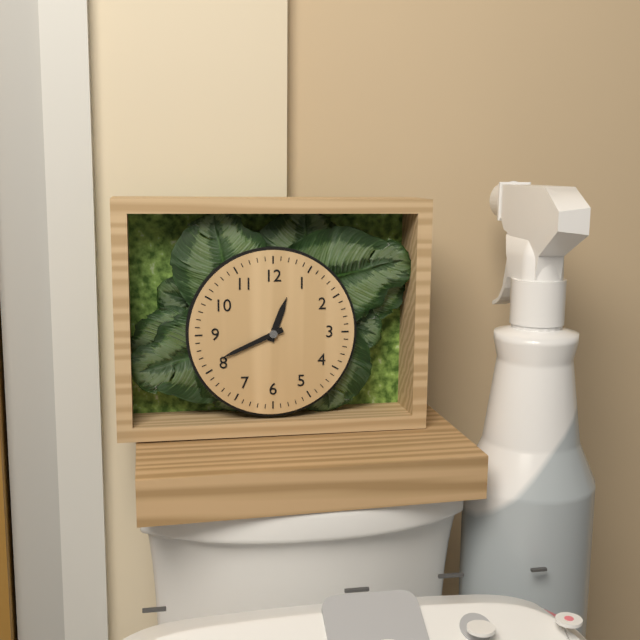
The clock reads 12,41
